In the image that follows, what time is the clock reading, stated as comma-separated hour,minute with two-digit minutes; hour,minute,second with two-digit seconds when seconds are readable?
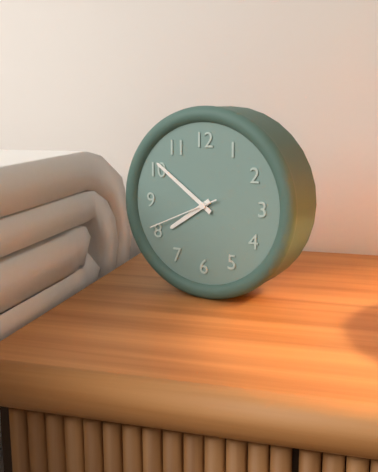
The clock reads 7,51,41
